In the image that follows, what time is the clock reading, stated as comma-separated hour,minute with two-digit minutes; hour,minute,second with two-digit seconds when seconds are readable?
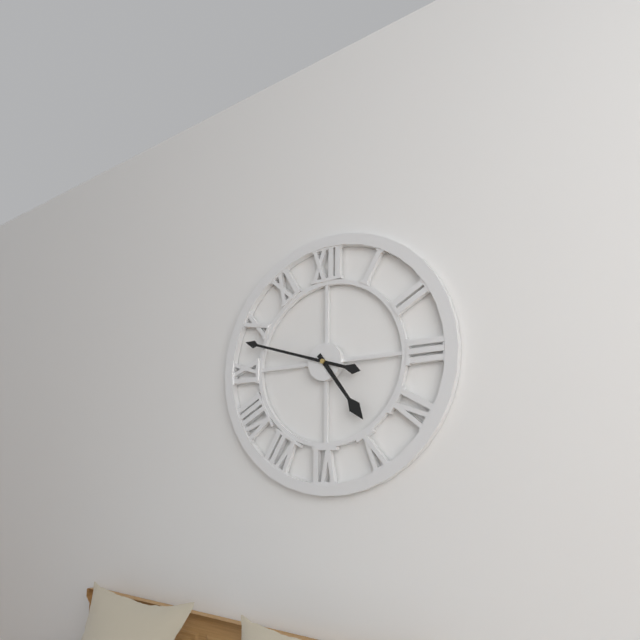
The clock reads 4,48
